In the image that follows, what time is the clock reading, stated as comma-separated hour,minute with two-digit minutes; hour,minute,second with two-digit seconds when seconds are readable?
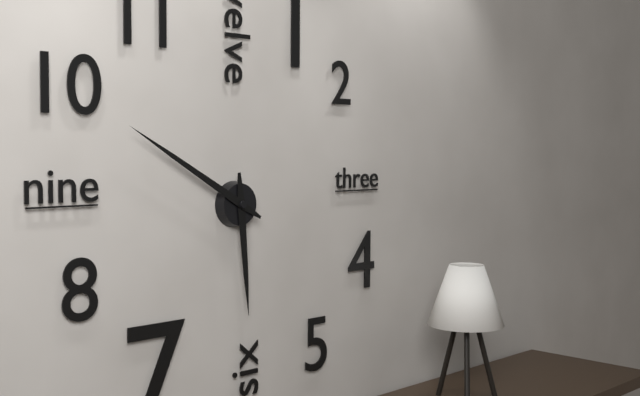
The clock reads 5,50
